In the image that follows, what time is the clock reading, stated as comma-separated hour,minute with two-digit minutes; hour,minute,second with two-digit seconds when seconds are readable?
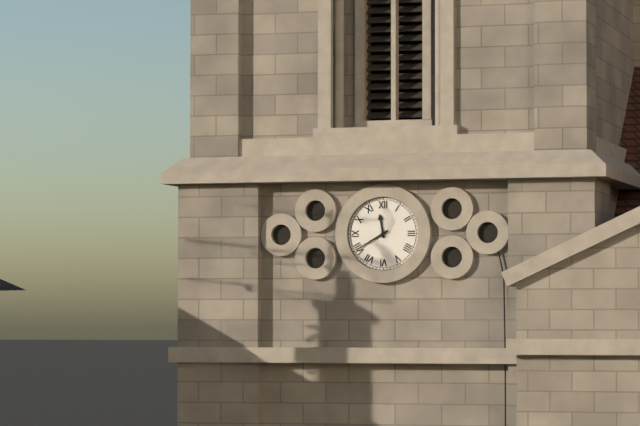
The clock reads 11,40
